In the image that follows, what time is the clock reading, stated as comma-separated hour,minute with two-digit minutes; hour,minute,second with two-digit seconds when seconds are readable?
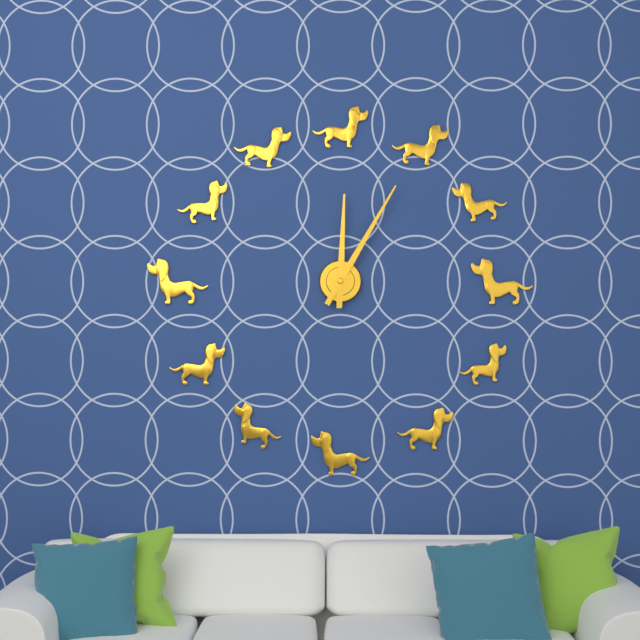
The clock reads 12,05
